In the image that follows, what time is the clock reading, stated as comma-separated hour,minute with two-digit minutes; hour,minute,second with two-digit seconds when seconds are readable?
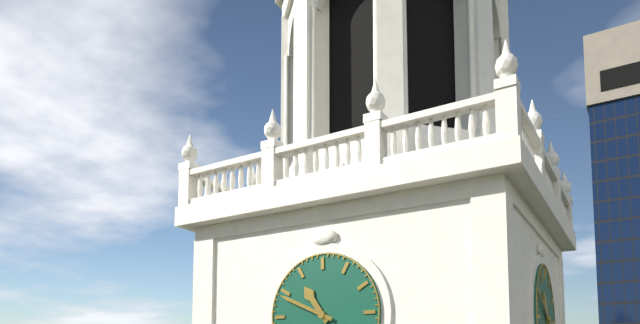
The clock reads 10,49
